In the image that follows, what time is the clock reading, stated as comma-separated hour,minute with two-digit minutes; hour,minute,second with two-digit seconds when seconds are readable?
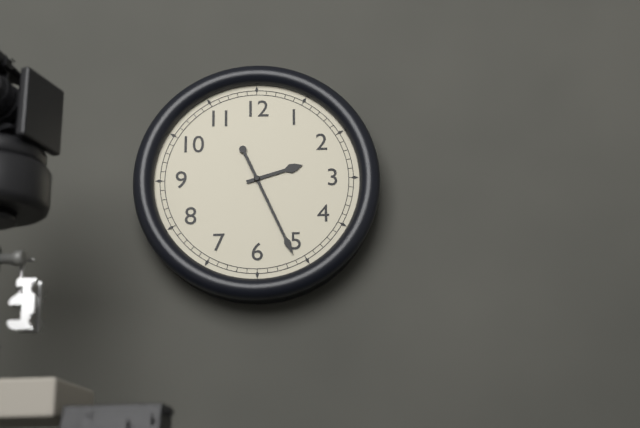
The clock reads 2,26
